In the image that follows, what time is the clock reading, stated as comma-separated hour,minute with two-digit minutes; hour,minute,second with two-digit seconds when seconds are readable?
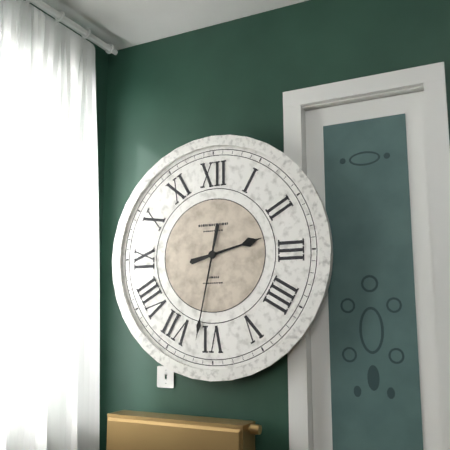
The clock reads 2,32
